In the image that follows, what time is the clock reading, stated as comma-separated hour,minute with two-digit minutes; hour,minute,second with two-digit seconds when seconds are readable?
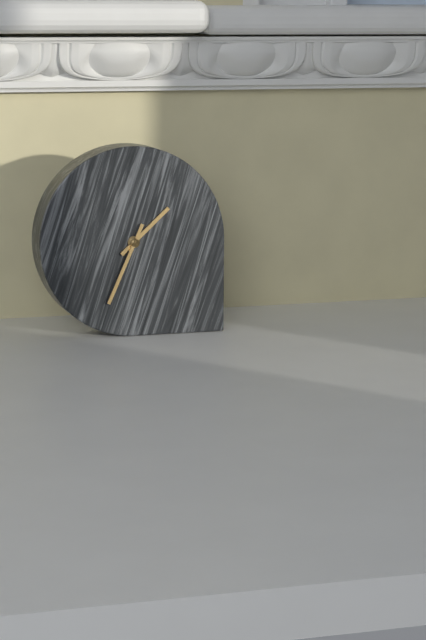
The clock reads 1,34
